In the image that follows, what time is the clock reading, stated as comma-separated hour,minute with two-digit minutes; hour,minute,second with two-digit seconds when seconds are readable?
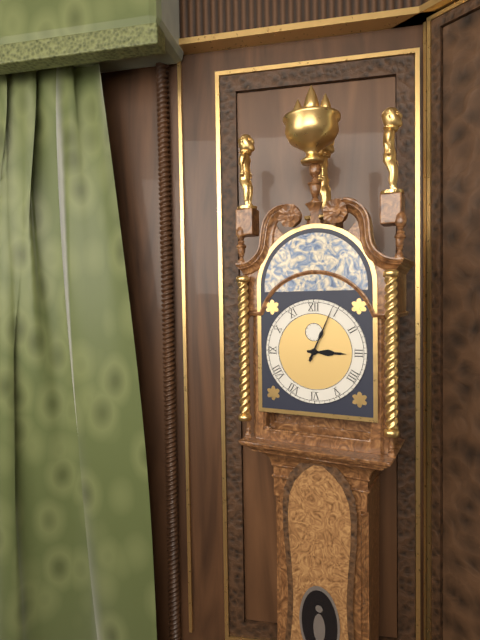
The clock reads 3,04
